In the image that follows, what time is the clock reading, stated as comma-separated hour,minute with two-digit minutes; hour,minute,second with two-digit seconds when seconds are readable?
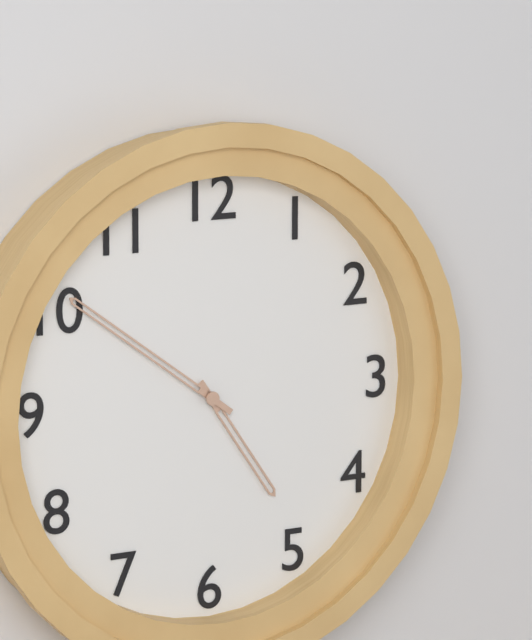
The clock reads 4,51
